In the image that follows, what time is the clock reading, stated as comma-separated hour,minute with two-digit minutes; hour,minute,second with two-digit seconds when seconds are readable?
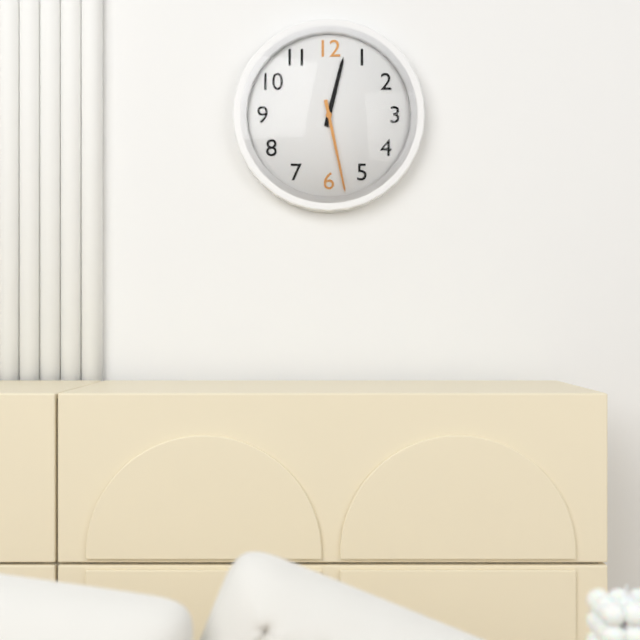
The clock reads 12,28
